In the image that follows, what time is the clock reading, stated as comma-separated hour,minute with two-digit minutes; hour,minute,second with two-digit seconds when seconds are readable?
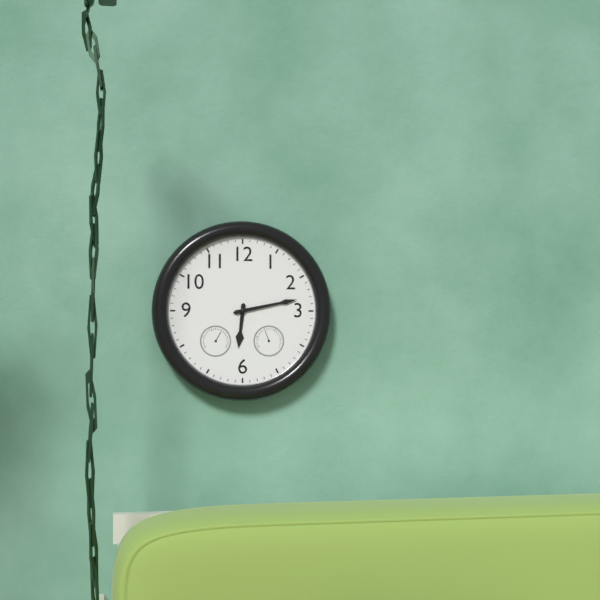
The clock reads 6,13
